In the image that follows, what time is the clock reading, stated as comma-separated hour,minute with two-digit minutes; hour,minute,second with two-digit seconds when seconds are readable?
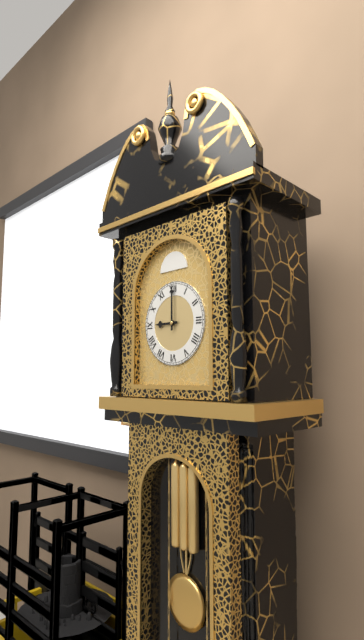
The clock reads 9,00
